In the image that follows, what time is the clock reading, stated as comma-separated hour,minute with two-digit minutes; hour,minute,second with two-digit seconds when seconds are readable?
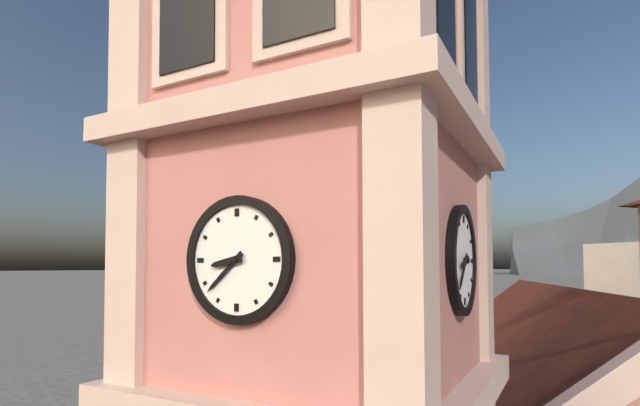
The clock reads 8,38
